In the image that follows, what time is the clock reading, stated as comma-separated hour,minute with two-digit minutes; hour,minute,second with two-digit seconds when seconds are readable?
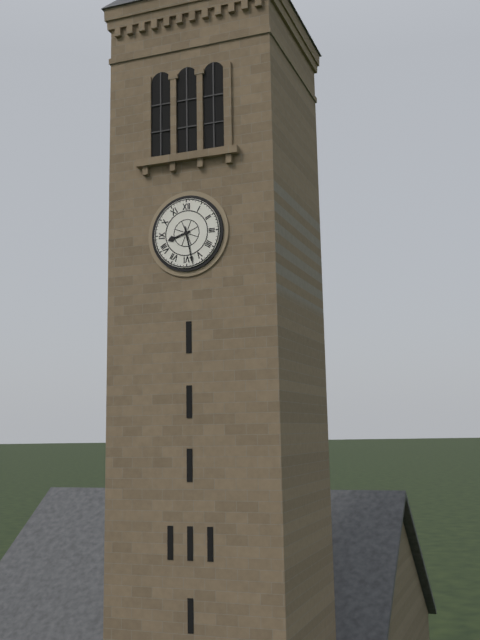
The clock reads 8,28
